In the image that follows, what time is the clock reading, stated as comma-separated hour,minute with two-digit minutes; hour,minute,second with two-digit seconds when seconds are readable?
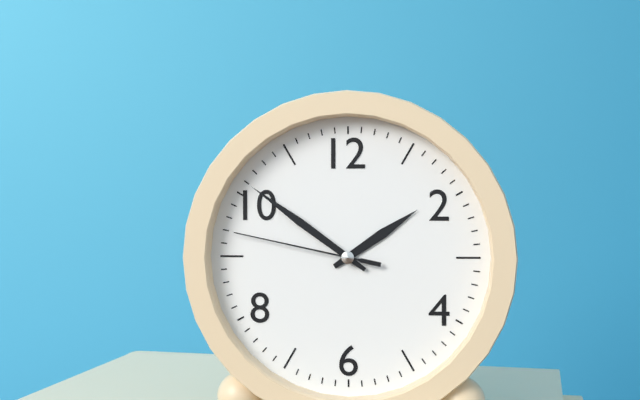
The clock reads 1,51,47
